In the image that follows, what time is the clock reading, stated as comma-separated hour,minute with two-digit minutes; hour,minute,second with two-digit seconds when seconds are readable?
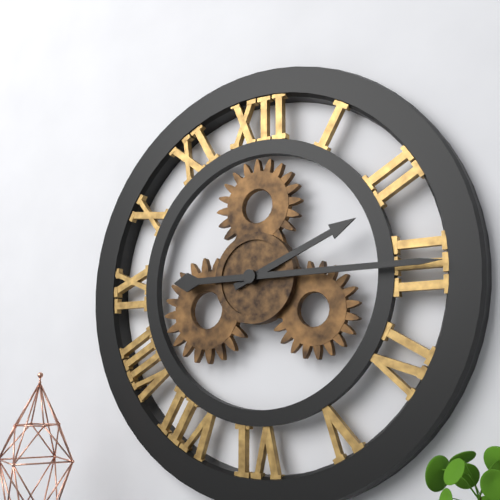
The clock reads 2,15
